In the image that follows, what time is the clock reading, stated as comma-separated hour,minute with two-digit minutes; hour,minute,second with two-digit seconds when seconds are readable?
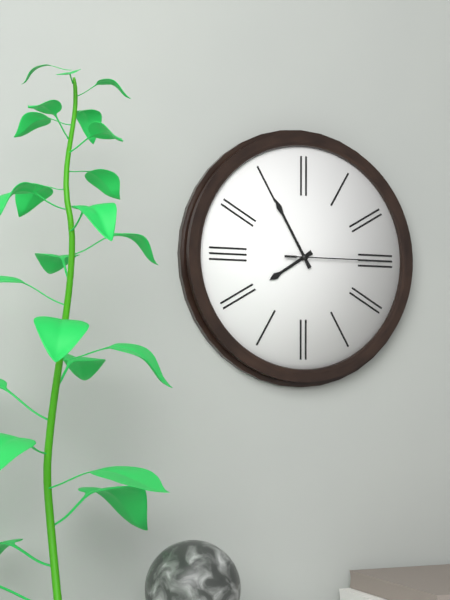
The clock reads 7,55,15
